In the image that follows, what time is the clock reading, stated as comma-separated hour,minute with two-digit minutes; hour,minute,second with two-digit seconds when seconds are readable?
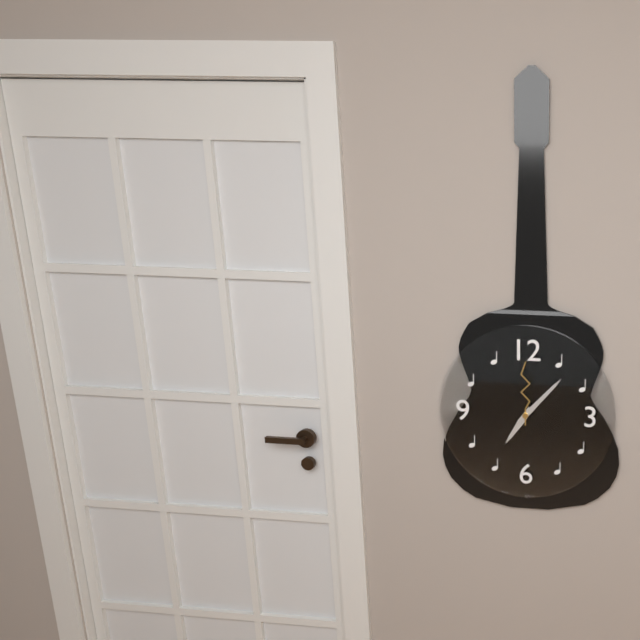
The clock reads 7,07,00
